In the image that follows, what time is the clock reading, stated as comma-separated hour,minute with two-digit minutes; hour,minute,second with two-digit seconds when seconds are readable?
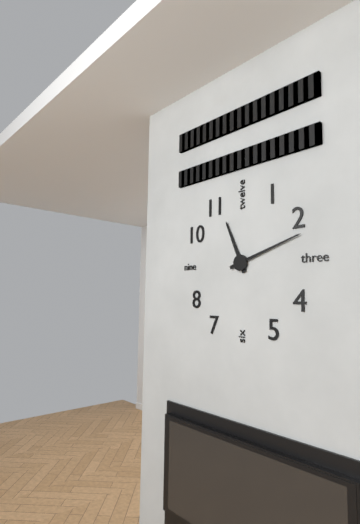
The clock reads 11,12
